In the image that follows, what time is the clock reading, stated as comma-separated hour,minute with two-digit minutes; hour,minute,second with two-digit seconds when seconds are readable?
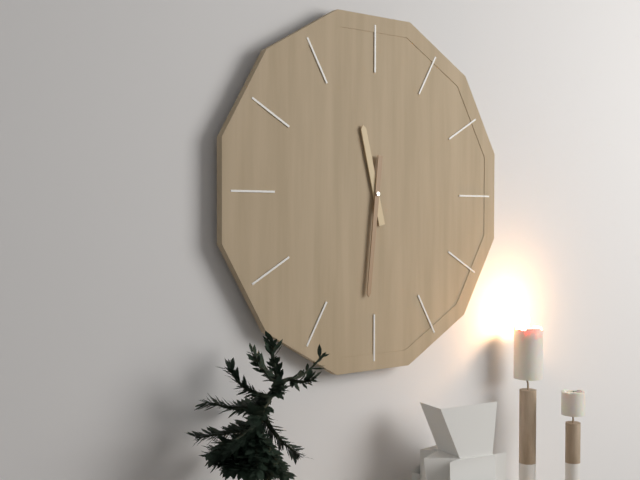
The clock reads 11,31
